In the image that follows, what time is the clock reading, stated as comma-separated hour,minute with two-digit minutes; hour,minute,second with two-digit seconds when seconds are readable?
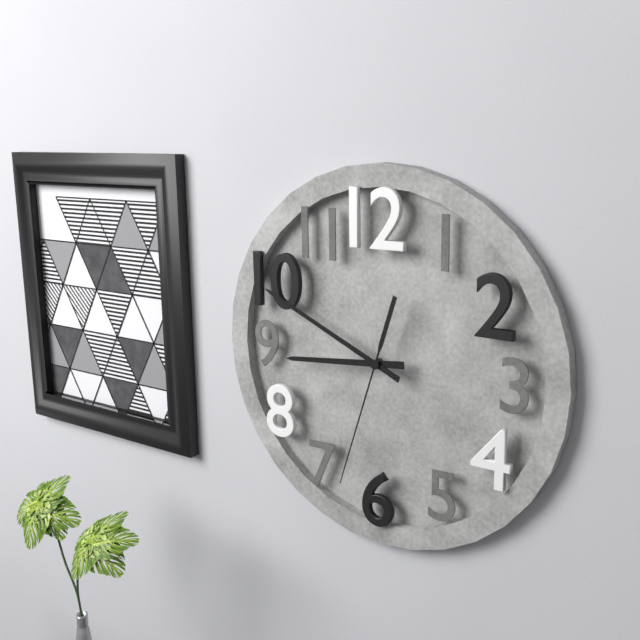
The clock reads 8,49,33
